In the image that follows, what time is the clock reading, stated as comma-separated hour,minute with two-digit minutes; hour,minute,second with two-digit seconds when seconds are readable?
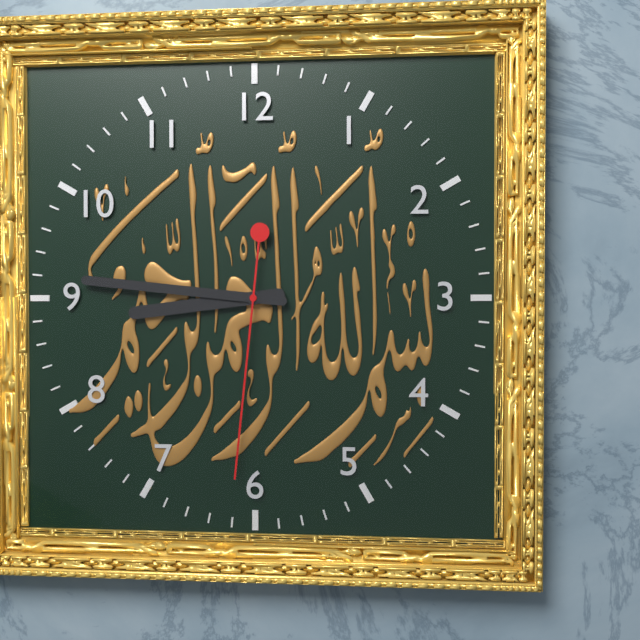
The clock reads 8,46,31
